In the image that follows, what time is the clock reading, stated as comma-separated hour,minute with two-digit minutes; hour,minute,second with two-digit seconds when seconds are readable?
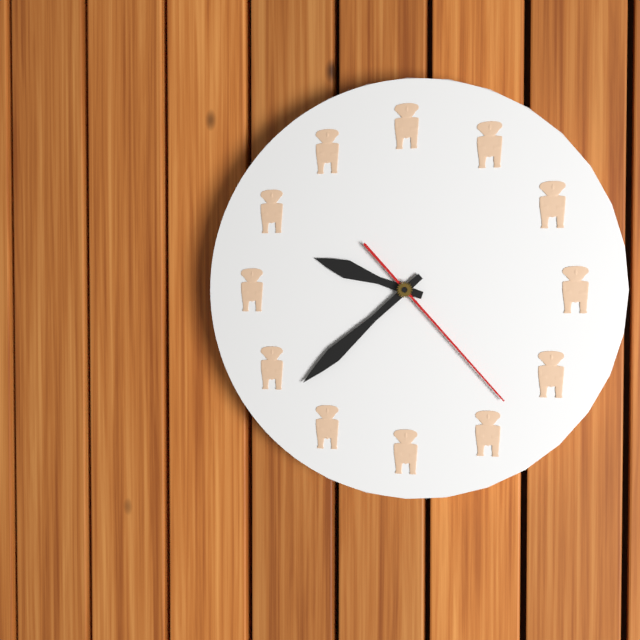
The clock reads 9,38,23
